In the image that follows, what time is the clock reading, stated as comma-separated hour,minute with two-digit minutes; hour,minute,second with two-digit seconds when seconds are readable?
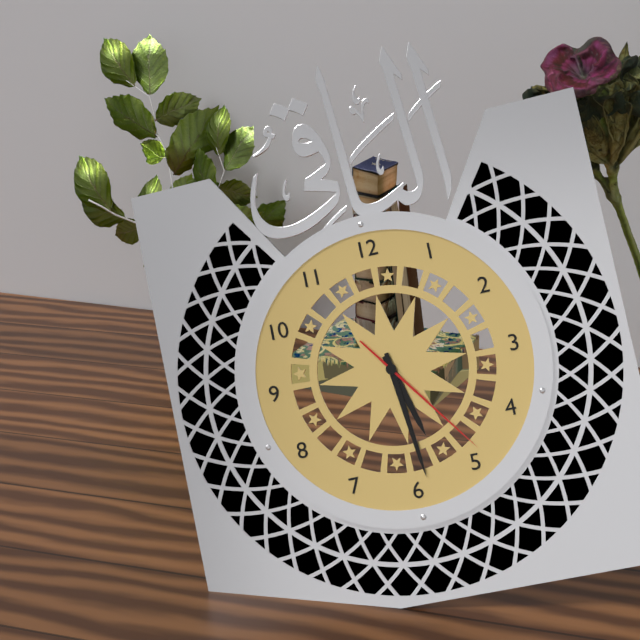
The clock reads 5,29,24
